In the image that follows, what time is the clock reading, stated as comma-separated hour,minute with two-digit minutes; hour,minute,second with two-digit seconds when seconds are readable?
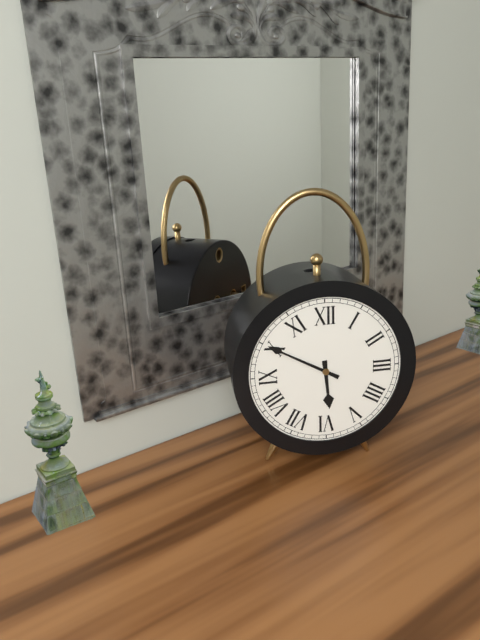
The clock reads 5,50
